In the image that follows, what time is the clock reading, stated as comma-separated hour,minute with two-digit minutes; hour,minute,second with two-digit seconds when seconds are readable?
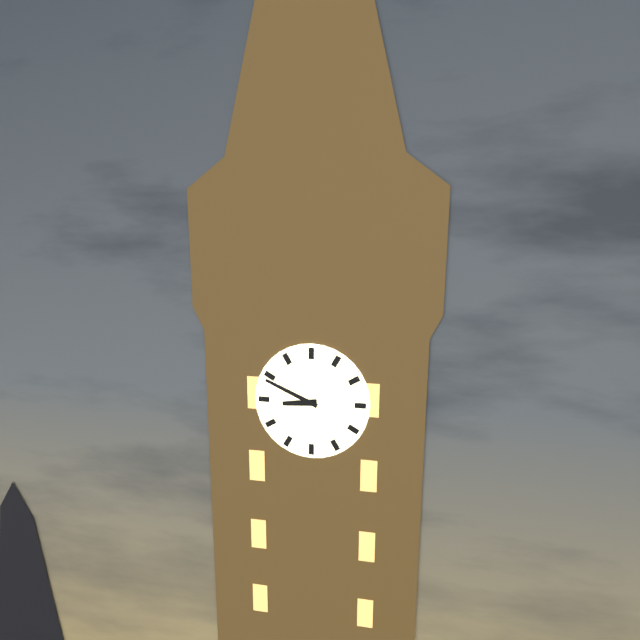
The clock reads 8,49
